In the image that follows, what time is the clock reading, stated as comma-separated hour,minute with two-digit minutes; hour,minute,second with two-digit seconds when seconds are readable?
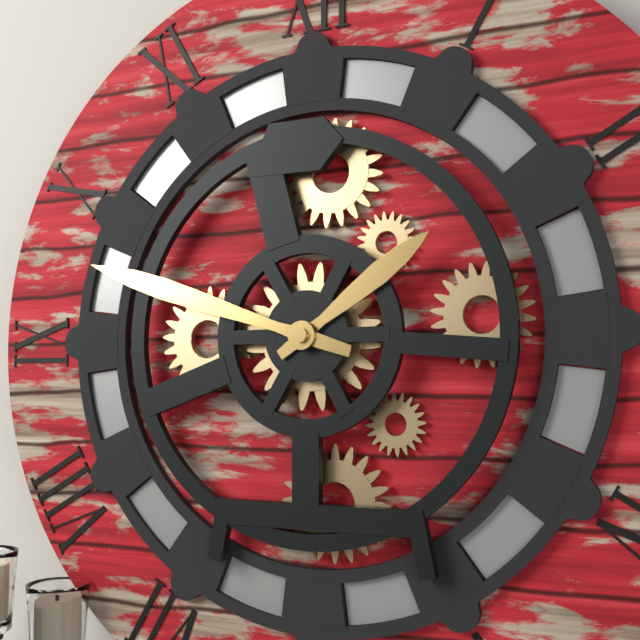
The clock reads 1,48
